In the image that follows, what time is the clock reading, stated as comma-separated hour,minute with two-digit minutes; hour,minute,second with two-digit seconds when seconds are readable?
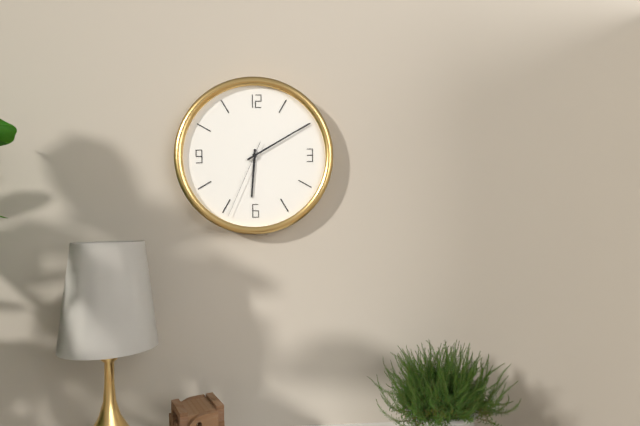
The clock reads 6,10,34
